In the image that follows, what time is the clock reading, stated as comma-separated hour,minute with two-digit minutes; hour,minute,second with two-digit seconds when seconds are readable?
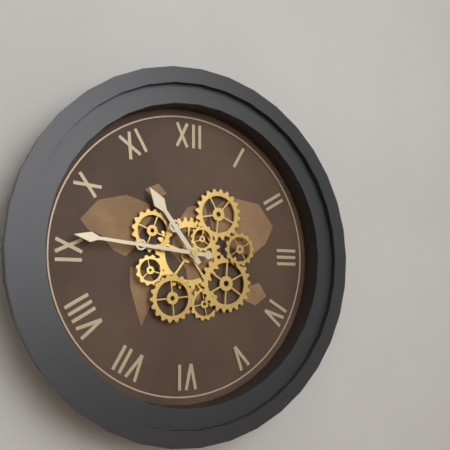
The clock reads 10,46
